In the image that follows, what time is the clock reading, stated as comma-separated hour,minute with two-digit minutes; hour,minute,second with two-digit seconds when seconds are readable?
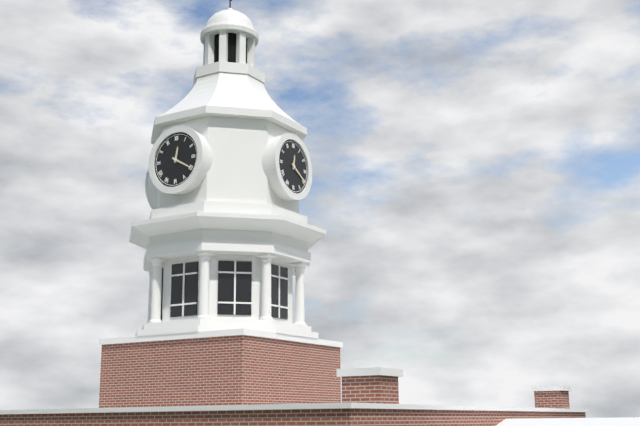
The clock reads 12,20
